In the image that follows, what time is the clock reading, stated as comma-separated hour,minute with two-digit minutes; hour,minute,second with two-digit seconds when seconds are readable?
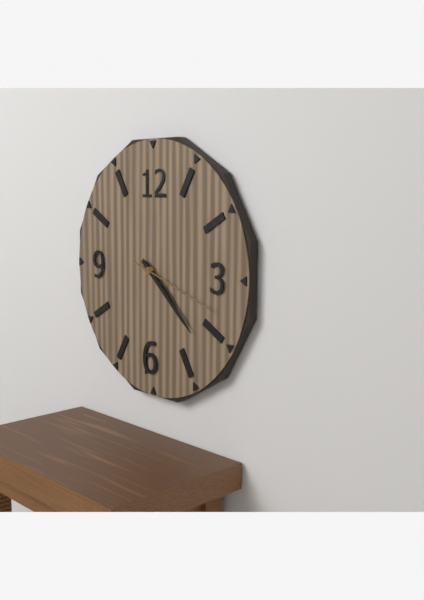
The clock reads 4,22,18
